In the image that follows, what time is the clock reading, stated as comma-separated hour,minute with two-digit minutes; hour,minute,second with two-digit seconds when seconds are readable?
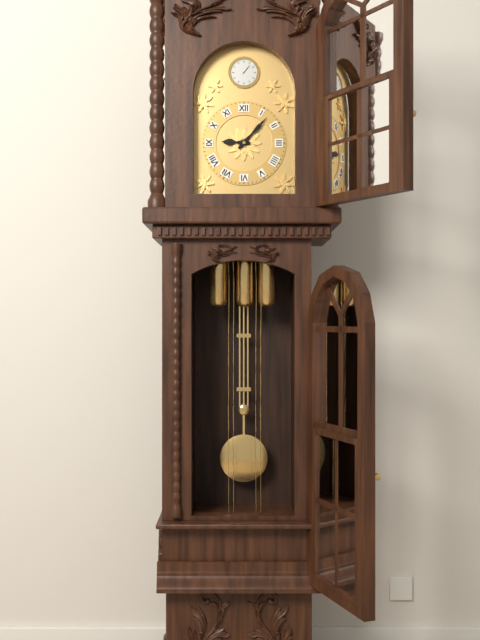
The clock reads 9,07
